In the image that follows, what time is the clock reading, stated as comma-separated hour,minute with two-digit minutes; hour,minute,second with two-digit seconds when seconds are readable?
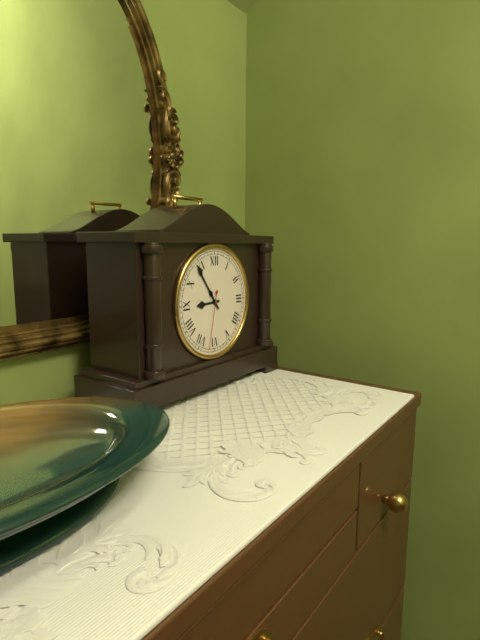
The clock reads 8,54,32
